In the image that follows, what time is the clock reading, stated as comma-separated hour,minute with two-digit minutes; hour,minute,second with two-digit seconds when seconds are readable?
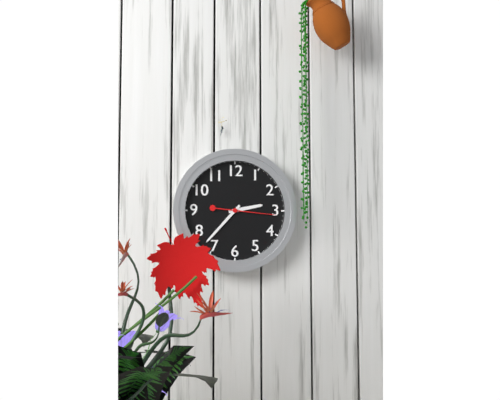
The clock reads 2,37,16
